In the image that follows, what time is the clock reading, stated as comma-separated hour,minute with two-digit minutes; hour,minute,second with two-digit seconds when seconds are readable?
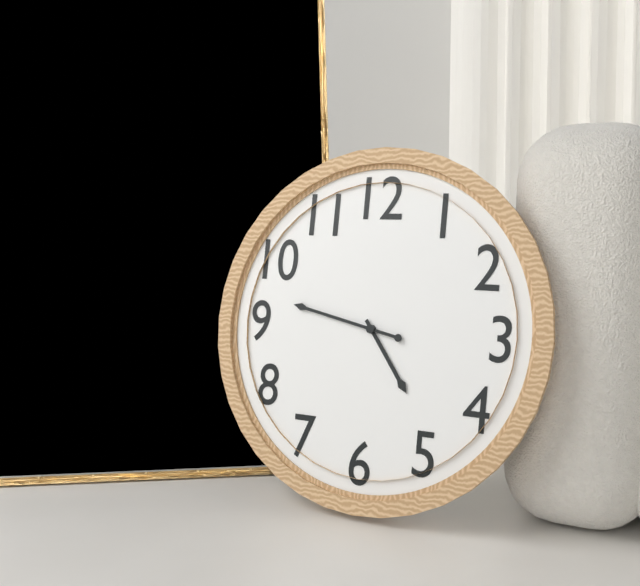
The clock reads 4,47
